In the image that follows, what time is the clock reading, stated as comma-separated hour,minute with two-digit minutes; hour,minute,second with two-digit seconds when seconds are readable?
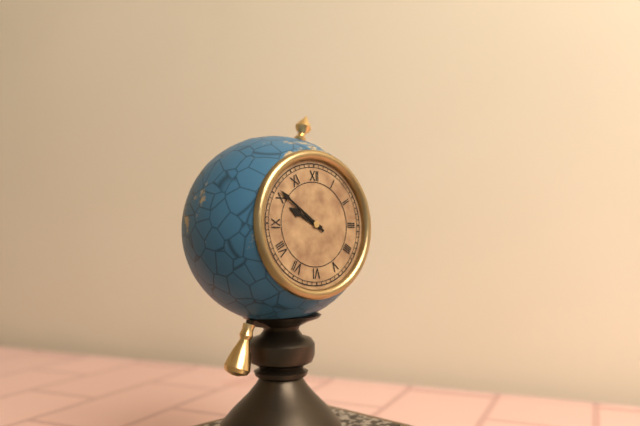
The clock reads 9,51
